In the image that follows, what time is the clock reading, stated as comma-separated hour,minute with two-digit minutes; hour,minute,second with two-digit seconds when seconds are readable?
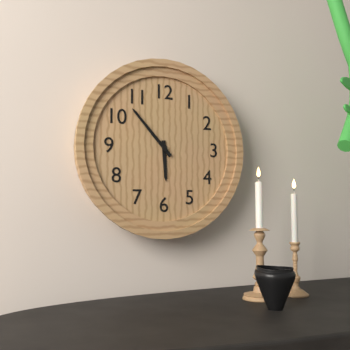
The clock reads 5,53
